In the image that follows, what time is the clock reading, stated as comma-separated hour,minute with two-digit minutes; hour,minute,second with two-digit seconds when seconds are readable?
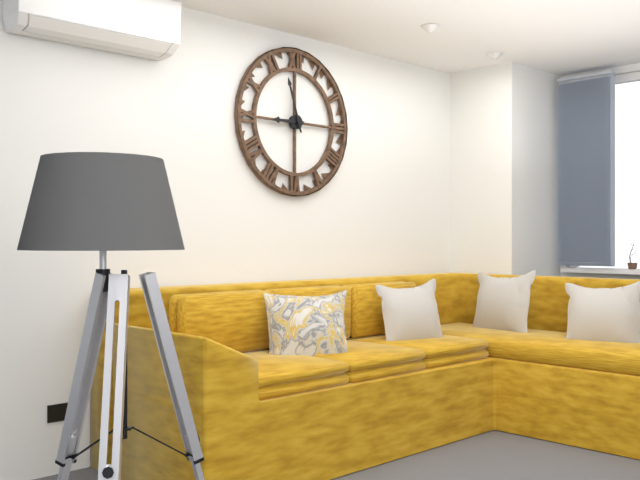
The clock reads 8,57
